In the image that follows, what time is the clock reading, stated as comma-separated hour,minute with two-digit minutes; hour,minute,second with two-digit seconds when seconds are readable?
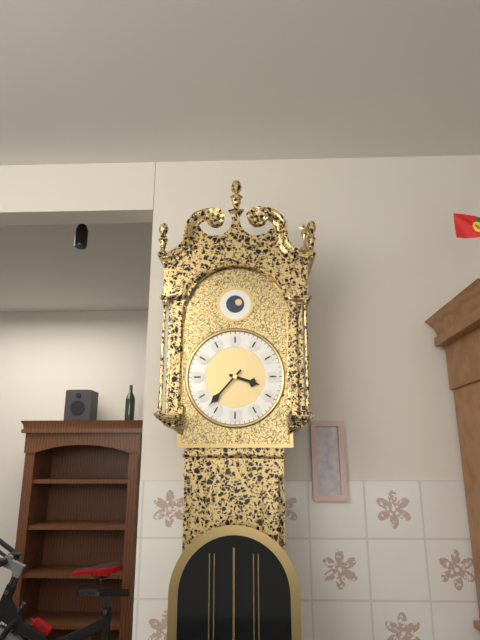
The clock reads 3,37
